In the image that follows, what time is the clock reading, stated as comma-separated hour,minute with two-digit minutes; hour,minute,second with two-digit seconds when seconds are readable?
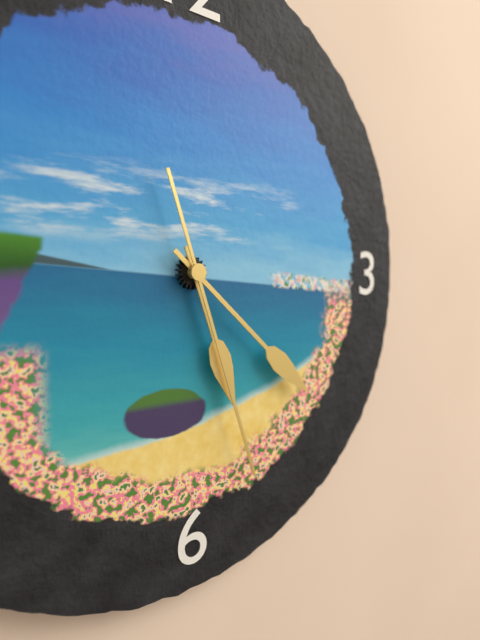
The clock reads 5,22,27
